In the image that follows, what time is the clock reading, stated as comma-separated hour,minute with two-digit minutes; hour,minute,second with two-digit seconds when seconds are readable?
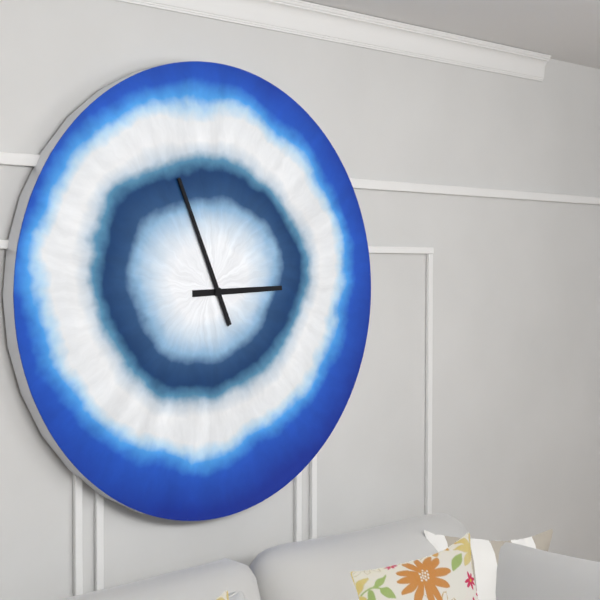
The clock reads 2,56
